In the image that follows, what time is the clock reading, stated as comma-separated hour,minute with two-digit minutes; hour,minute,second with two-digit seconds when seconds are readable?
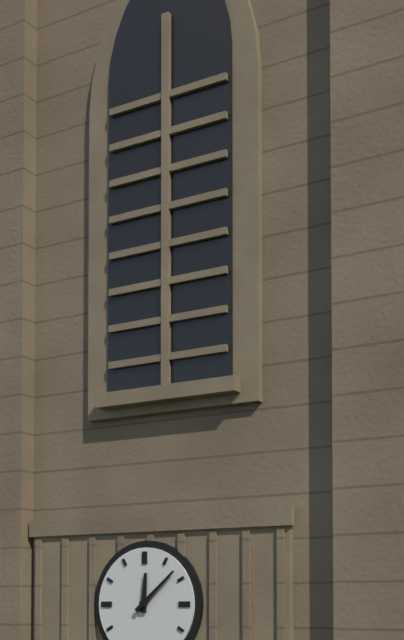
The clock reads 12,08
